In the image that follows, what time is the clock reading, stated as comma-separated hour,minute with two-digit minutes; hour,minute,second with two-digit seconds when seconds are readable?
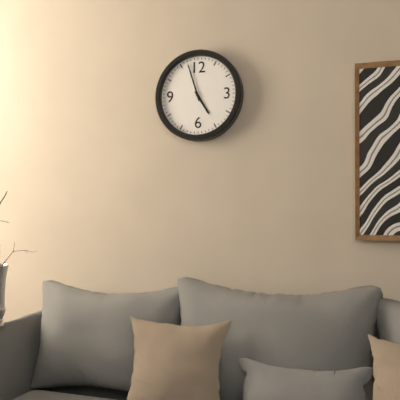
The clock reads 4,57
